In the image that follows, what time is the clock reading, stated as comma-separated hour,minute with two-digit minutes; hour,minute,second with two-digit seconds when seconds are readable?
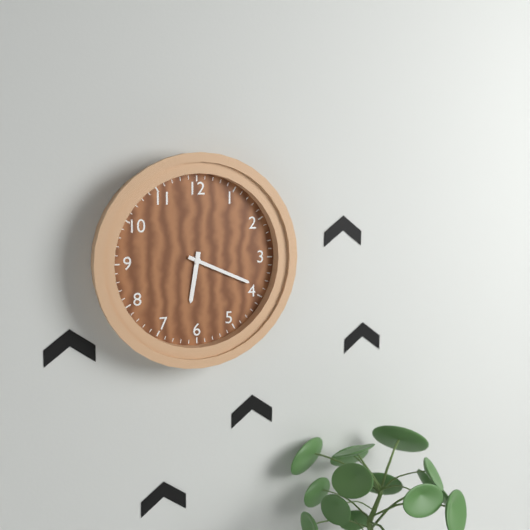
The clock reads 6,19
